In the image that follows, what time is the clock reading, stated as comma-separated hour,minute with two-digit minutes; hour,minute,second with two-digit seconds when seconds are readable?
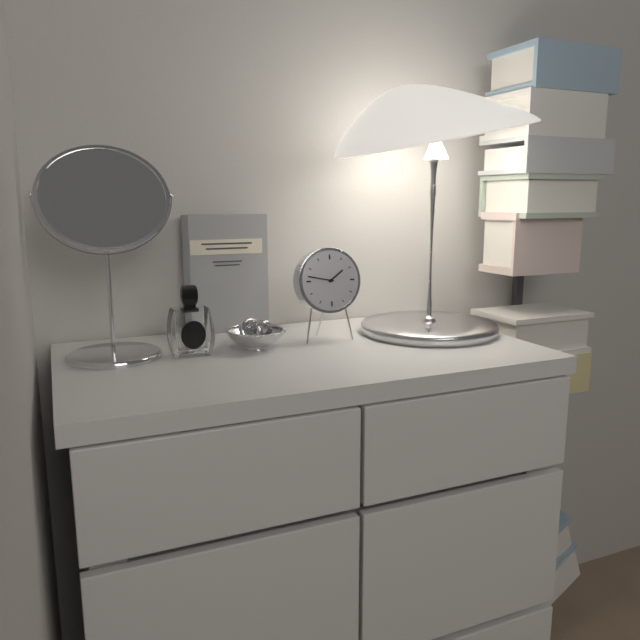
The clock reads 1,47
